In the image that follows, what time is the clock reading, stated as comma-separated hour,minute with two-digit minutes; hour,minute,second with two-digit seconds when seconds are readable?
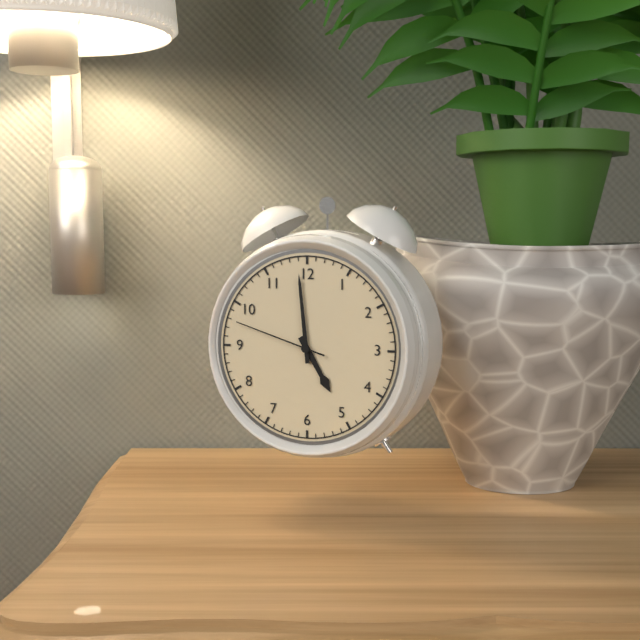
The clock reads 4,59,48
